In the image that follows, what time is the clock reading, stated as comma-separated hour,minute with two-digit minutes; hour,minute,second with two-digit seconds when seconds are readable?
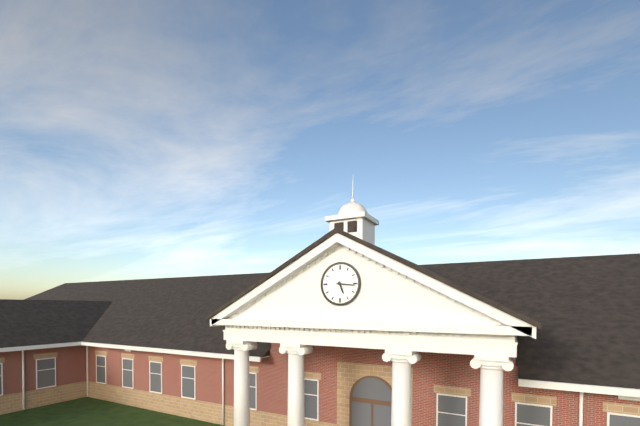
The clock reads 5,16
